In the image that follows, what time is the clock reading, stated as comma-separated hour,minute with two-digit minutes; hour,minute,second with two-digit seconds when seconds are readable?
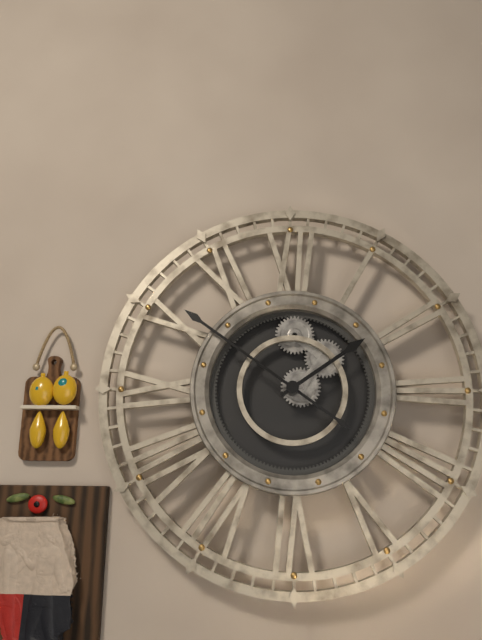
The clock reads 1,51
